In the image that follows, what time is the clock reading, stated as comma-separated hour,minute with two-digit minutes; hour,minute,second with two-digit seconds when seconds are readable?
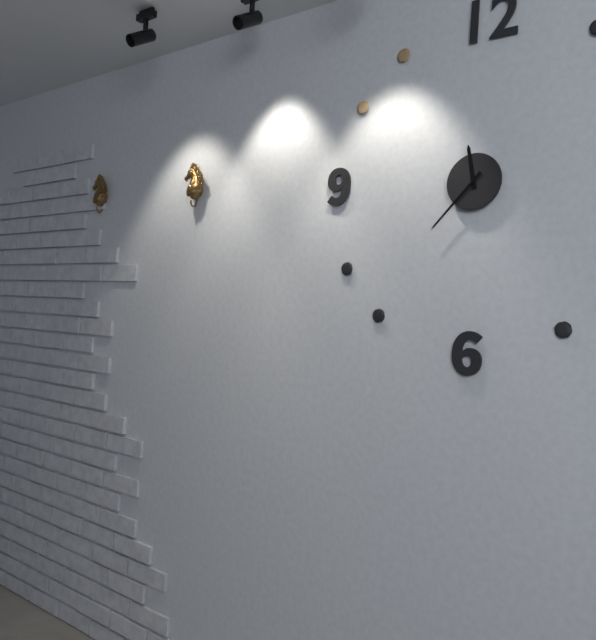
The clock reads 11,37
